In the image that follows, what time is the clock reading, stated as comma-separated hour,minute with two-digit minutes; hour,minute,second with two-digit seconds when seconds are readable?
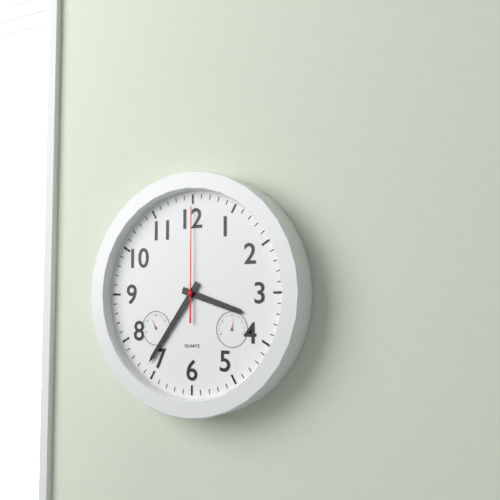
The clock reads 3,36,00
